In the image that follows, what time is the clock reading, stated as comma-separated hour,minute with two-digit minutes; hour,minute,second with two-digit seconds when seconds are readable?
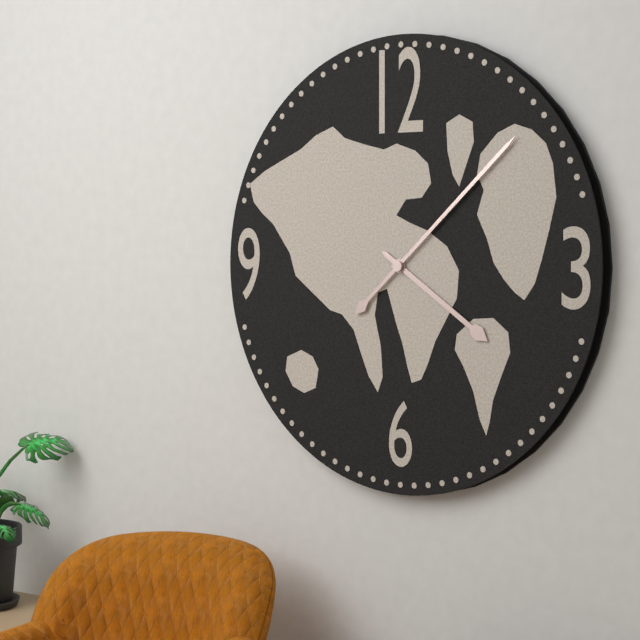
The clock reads 4,08
